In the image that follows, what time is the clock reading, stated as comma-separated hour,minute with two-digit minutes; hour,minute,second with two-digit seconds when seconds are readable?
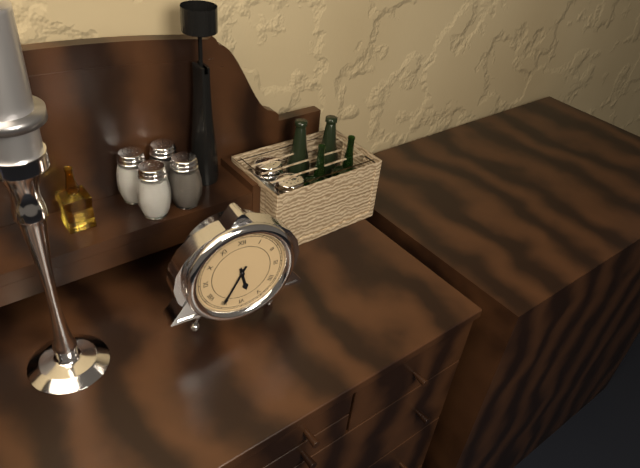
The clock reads 5,35
